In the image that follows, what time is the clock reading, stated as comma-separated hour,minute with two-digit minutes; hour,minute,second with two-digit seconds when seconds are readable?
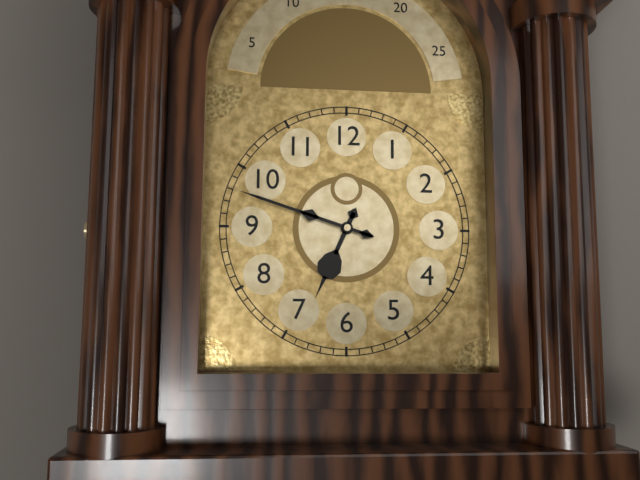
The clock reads 6,48
